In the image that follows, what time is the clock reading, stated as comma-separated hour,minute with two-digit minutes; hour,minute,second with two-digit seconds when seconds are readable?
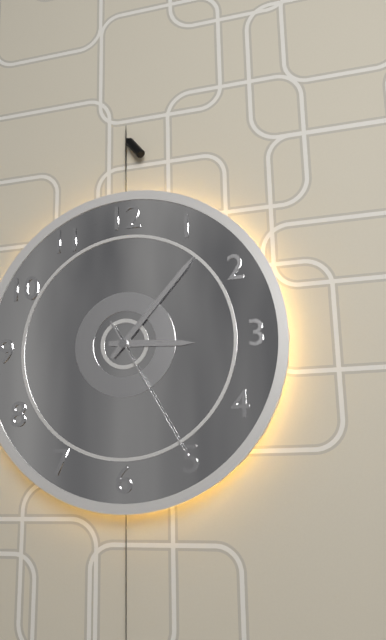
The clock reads 3,07,25
